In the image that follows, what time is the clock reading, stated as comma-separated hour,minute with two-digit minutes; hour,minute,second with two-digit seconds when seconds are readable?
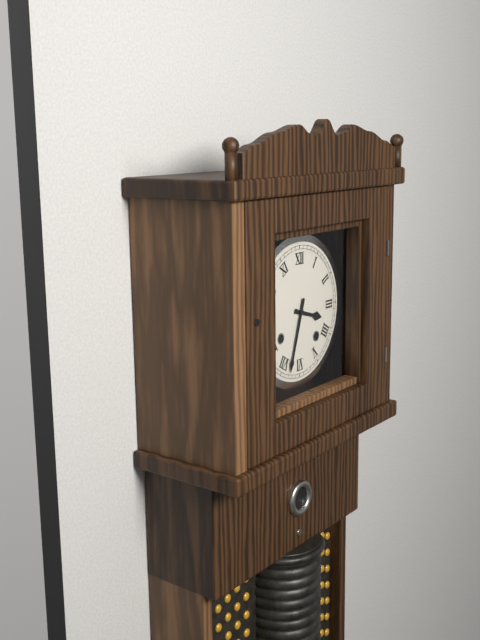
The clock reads 3,33
